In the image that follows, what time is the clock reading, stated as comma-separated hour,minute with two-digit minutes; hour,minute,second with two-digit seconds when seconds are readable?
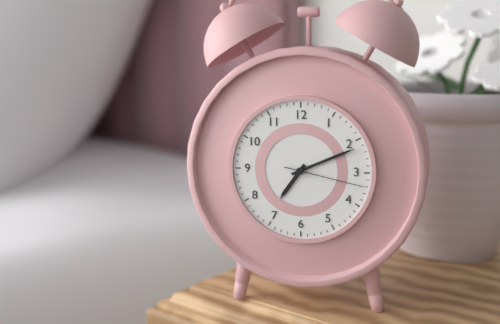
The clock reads 7,11,17
